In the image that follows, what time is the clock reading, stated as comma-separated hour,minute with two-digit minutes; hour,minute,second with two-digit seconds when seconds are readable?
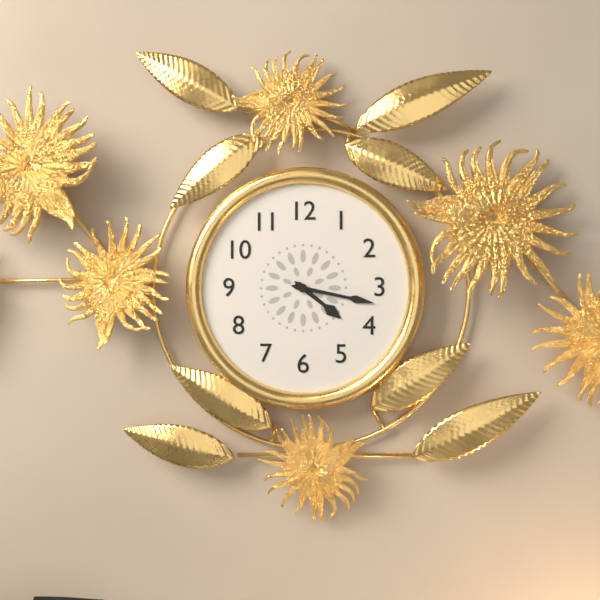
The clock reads 4,17
